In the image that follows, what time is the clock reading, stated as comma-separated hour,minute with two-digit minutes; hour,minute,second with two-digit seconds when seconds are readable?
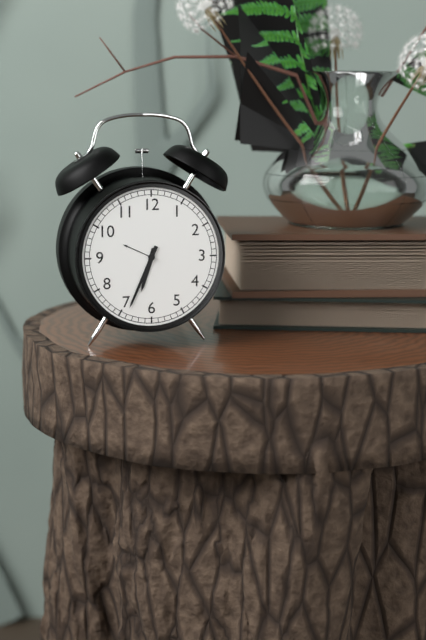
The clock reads 6,34
